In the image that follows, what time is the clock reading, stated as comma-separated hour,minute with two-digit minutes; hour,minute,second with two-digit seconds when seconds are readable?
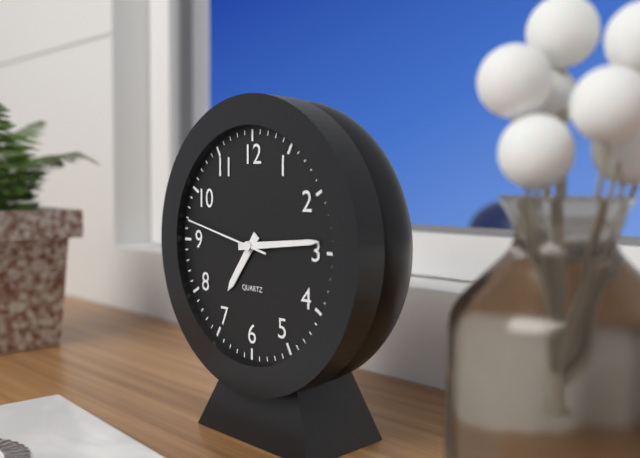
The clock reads 7,14,47
